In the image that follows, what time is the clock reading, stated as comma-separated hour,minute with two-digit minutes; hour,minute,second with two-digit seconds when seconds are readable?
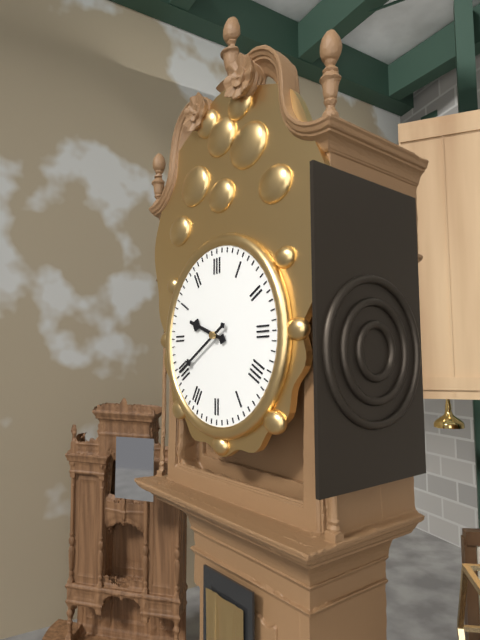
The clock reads 9,40
